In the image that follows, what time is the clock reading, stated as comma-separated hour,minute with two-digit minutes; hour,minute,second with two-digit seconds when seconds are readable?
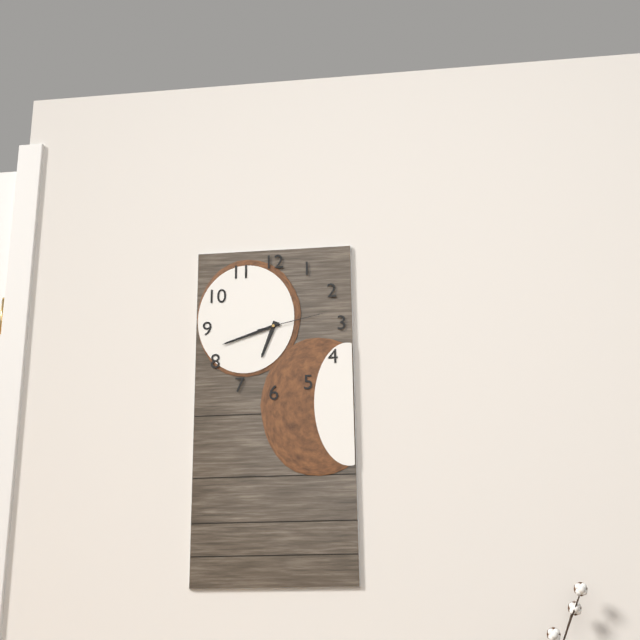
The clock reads 6,42,13
